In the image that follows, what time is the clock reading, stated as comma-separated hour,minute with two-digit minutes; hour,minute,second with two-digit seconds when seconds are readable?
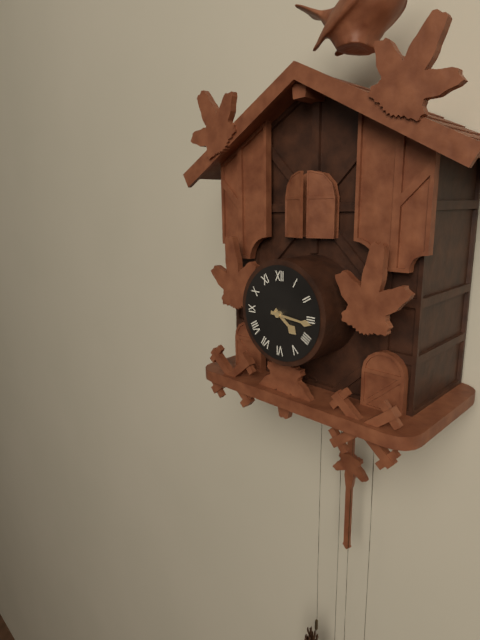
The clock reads 4,16
